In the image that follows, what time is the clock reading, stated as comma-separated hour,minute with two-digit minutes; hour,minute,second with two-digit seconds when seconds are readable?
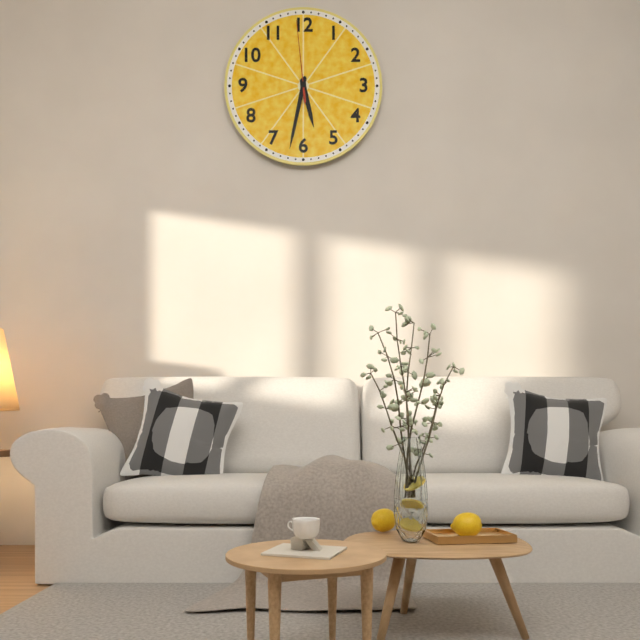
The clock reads 5,32,59
